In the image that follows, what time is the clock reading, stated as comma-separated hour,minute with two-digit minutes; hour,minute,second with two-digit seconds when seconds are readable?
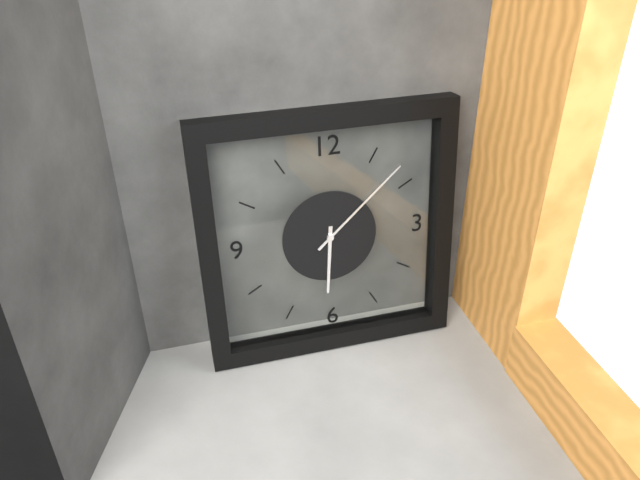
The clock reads 6,08
